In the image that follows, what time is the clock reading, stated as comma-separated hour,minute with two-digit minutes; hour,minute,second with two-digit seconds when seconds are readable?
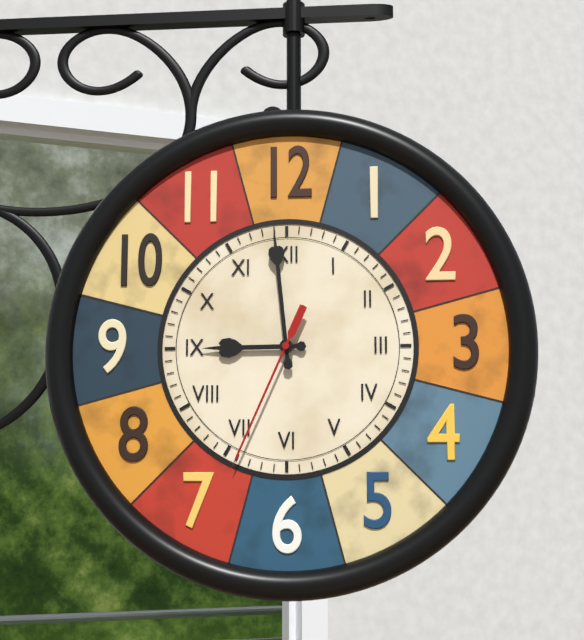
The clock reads 8,59,34
